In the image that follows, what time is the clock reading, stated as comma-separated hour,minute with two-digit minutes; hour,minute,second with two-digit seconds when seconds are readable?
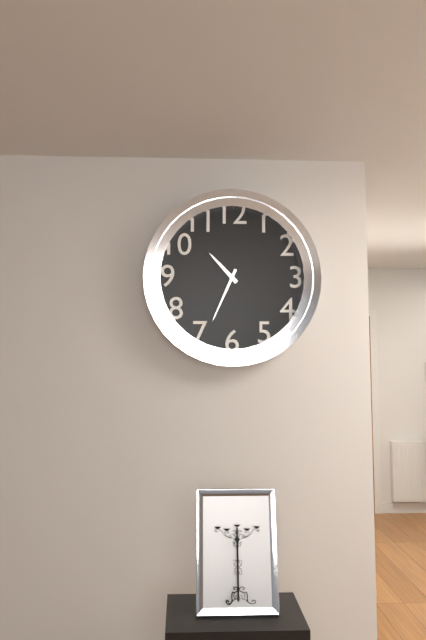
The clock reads 10,34
